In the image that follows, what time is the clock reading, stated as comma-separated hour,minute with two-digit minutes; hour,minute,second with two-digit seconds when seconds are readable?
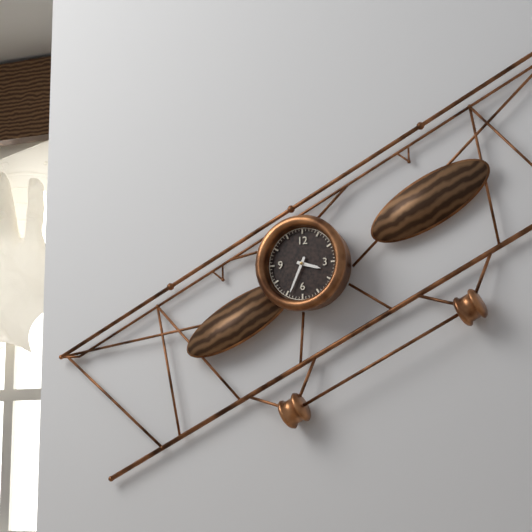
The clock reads 3,34
